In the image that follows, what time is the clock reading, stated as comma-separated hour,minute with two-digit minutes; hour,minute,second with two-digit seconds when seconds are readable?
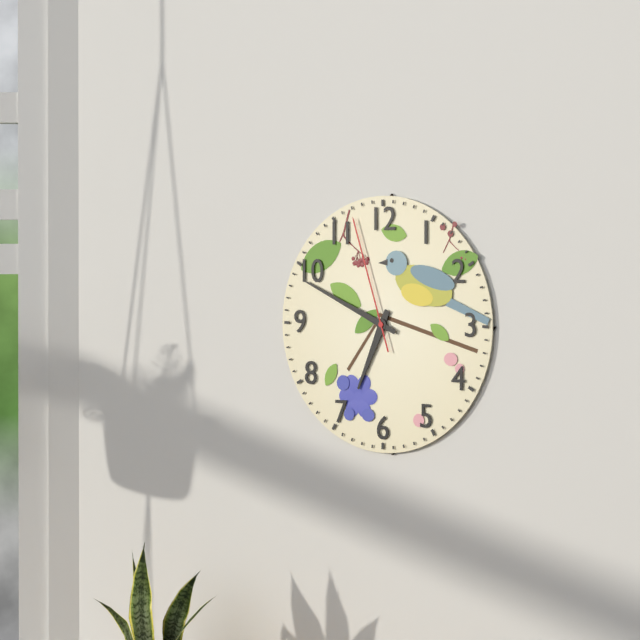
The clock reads 6,49,57
